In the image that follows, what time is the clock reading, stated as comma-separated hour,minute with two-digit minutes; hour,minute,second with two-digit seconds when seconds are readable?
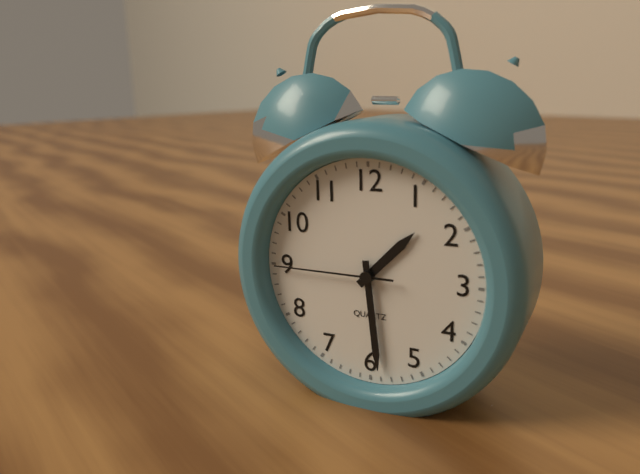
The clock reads 1,29,45
